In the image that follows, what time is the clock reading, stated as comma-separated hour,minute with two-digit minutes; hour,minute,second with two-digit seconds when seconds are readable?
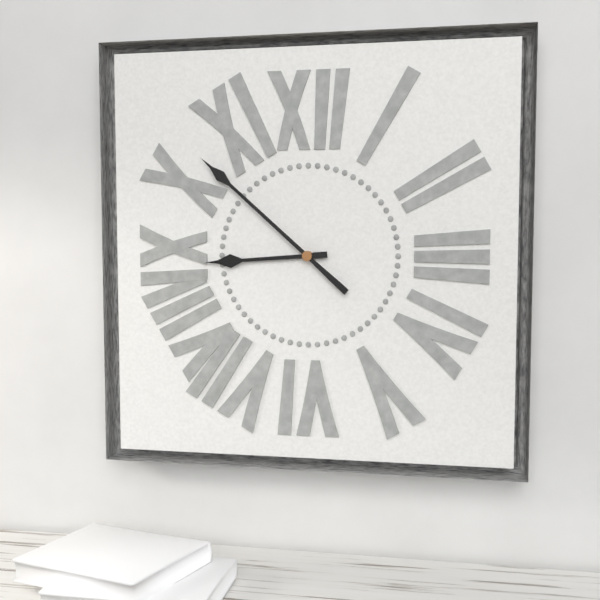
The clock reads 8,52
